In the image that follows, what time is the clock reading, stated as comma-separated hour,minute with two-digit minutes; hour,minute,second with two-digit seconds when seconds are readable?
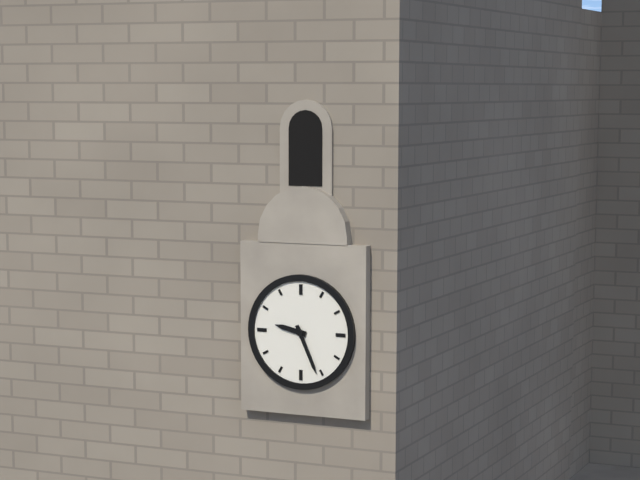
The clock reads 9,26
